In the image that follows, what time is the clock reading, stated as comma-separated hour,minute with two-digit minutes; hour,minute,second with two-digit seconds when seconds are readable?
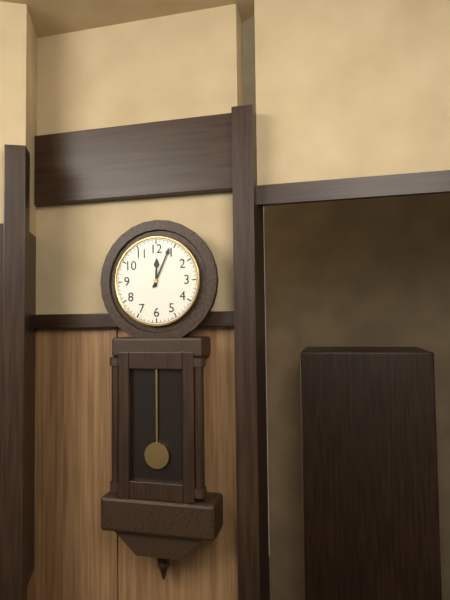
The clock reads 12,04
